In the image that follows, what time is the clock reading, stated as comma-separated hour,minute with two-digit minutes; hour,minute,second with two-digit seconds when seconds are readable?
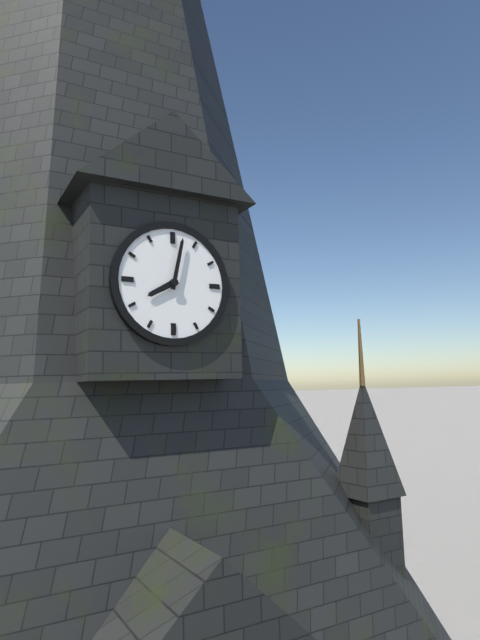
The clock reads 8,02
